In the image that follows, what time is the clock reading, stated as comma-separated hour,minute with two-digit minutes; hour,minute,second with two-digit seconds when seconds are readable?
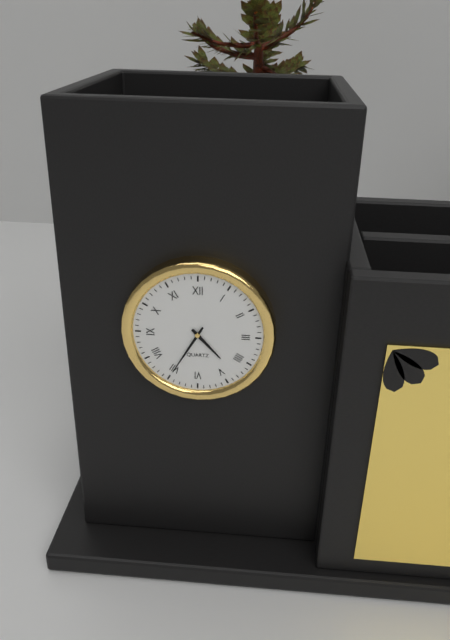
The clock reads 4,35
